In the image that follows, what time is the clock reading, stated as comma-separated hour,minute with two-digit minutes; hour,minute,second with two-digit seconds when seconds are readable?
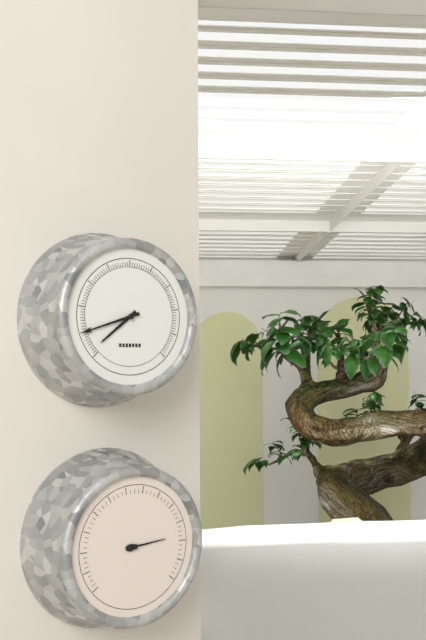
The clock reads 7,42
